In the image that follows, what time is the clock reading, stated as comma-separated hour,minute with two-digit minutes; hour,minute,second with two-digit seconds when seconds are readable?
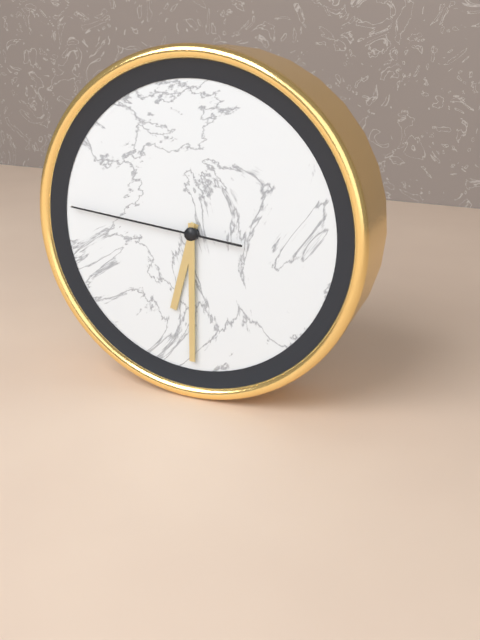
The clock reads 6,30,46
